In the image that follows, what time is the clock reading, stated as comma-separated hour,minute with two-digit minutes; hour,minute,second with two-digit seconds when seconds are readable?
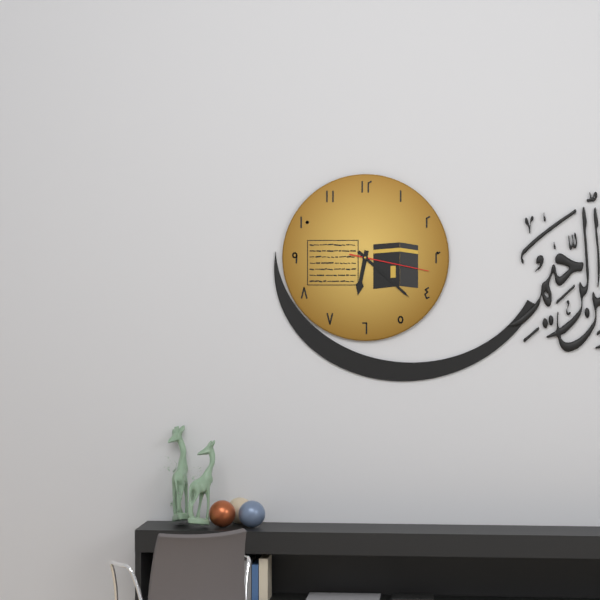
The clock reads 6,22,17
